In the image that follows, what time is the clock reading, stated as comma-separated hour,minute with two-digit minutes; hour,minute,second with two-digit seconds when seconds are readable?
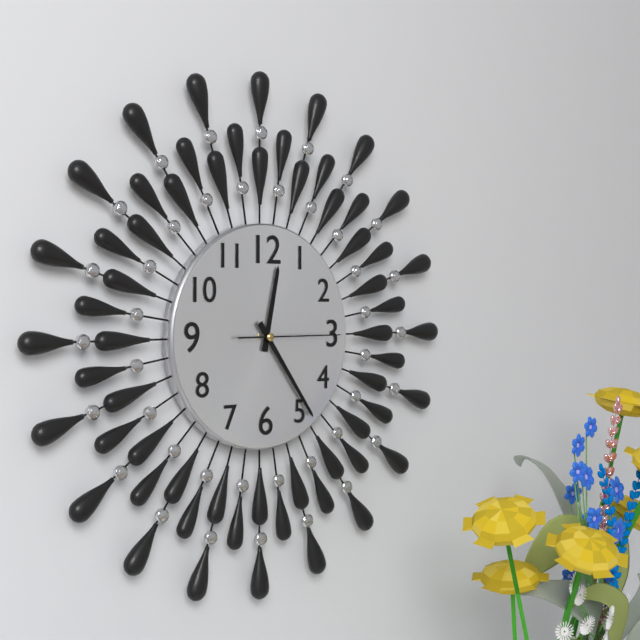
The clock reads 12,24,15
